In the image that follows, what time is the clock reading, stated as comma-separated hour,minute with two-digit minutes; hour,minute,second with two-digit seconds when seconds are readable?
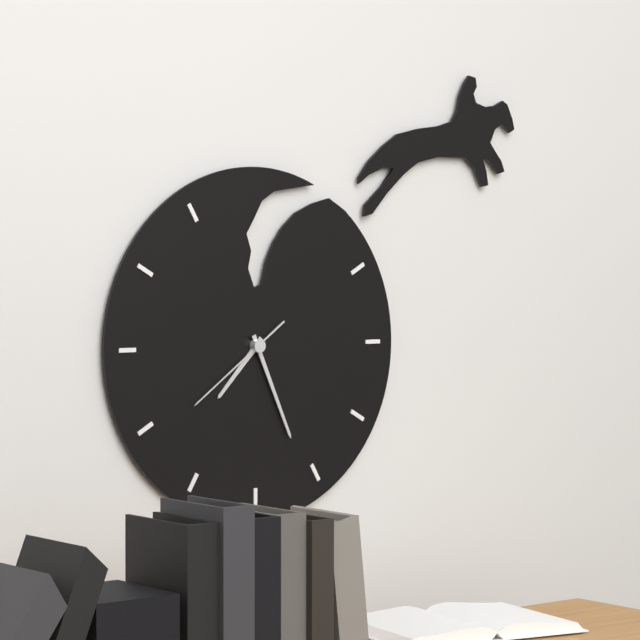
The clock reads 7,26,39
